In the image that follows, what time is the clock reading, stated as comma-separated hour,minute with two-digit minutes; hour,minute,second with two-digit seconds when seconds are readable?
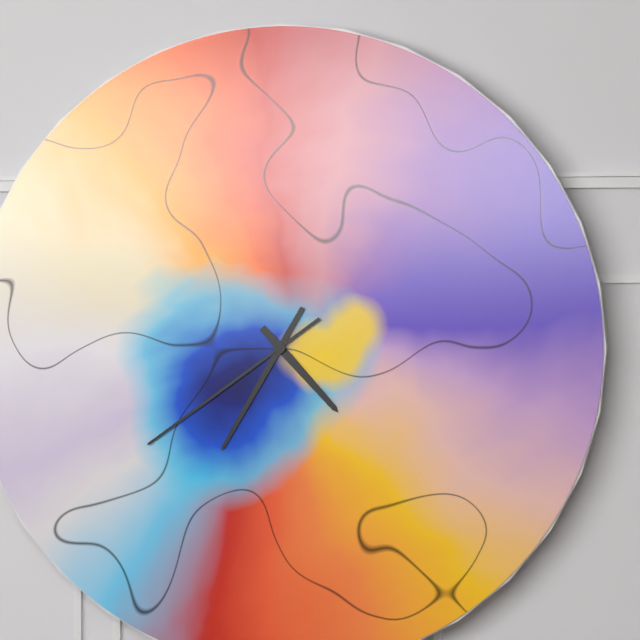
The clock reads 4,35,39
